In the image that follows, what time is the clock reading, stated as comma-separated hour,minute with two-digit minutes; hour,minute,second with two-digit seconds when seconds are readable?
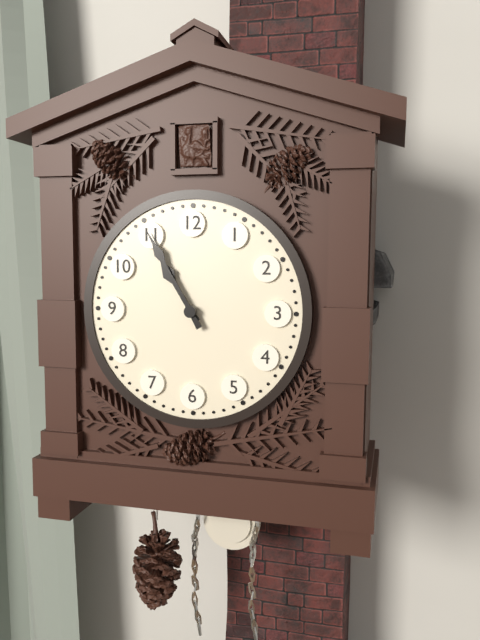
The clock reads 10,55
